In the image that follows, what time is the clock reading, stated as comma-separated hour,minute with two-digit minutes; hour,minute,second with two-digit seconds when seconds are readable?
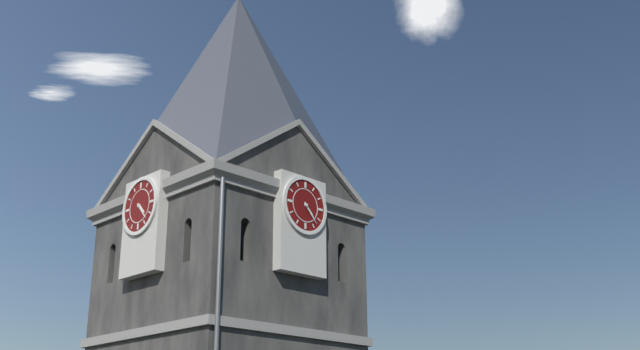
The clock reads 4,23
